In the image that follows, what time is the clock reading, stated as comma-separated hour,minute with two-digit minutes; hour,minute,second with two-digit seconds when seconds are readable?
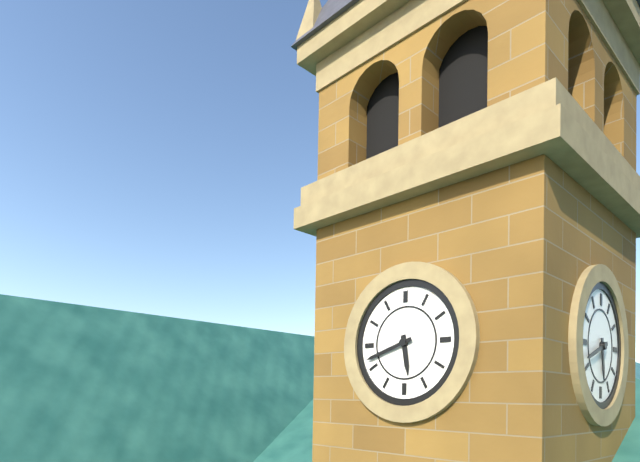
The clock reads 5,42
